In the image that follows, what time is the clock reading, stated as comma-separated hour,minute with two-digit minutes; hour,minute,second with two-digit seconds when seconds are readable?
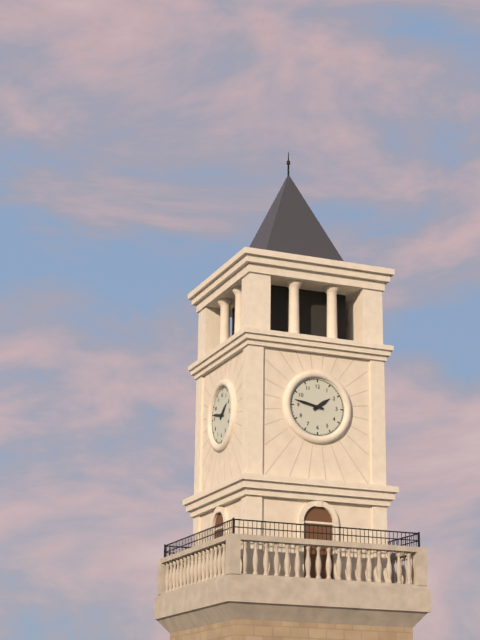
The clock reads 1,47
